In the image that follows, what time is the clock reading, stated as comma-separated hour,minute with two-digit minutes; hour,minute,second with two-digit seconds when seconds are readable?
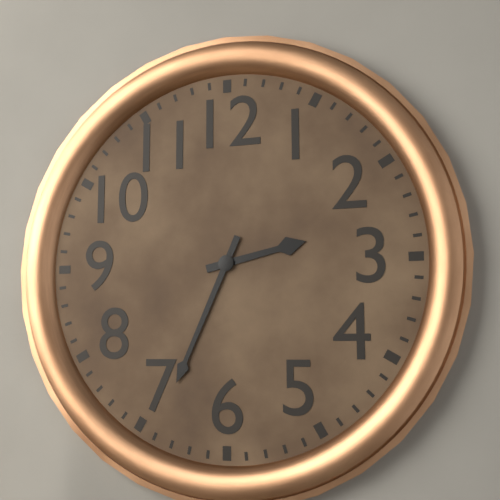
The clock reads 2,34
